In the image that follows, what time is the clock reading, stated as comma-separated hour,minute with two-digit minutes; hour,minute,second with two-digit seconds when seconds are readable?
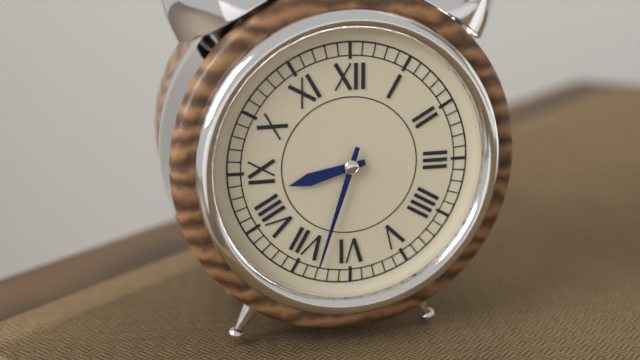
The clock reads 8,33
